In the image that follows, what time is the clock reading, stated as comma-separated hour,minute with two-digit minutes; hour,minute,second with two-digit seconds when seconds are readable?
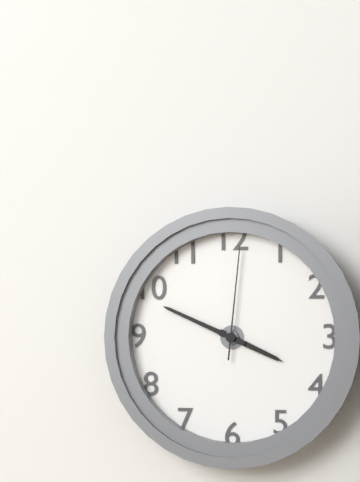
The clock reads 3,49,01
